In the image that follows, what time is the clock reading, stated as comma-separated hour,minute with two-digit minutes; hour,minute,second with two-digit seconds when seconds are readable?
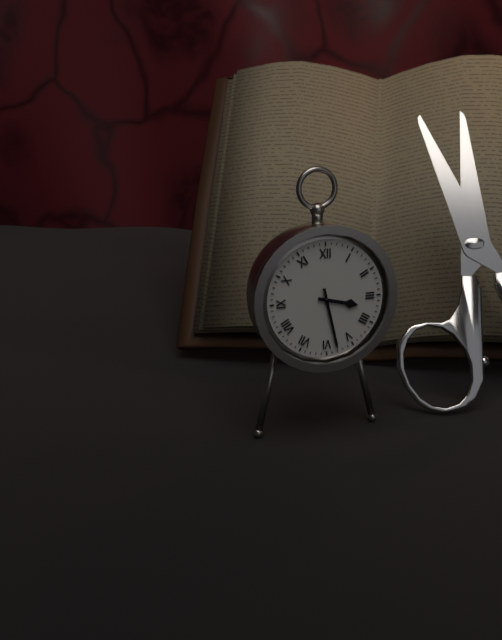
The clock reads 3,28
